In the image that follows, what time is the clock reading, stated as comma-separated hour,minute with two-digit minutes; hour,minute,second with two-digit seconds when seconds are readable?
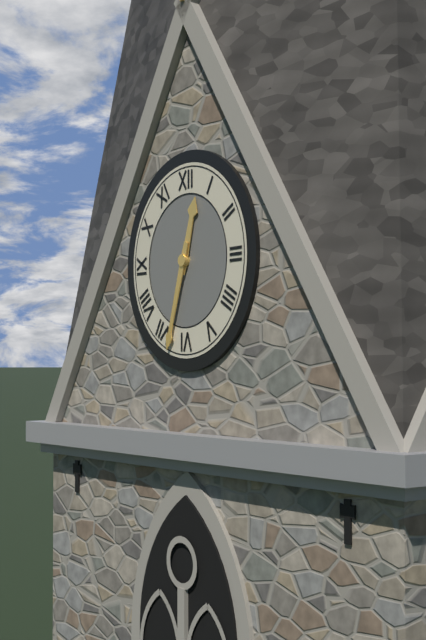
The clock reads 12,33
